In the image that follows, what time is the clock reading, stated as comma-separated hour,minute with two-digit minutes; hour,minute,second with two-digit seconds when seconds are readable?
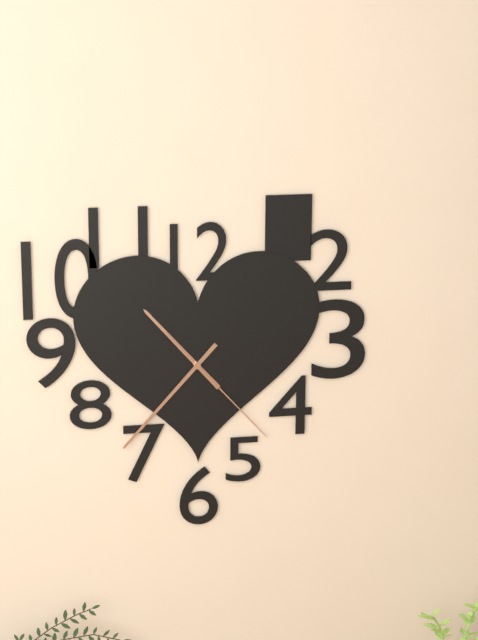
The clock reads 10,37,23
